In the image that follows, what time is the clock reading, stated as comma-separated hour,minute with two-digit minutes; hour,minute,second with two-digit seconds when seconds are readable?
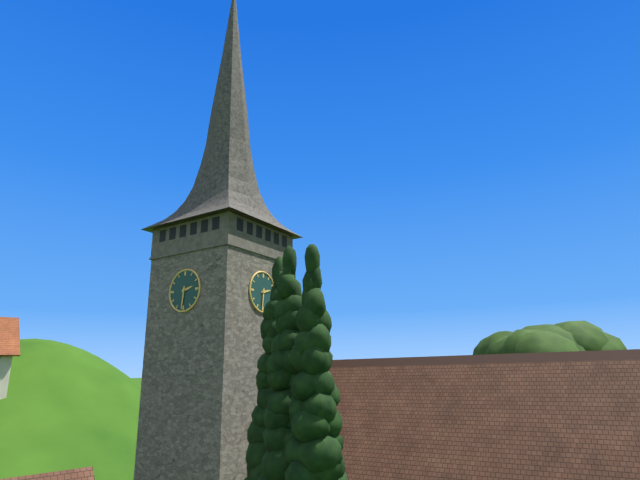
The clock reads 2,31
